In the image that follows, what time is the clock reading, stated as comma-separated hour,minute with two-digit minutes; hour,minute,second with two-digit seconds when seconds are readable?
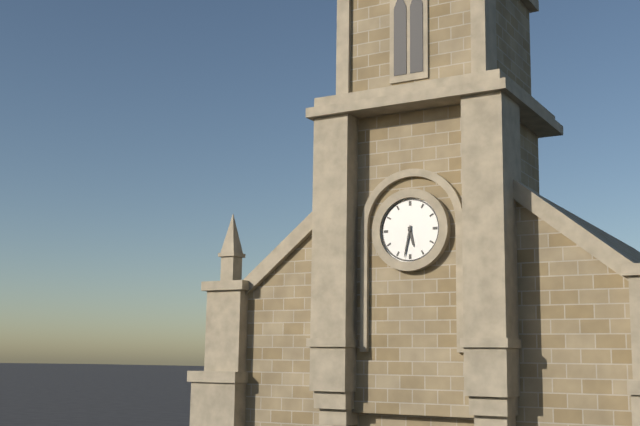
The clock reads 5,32
